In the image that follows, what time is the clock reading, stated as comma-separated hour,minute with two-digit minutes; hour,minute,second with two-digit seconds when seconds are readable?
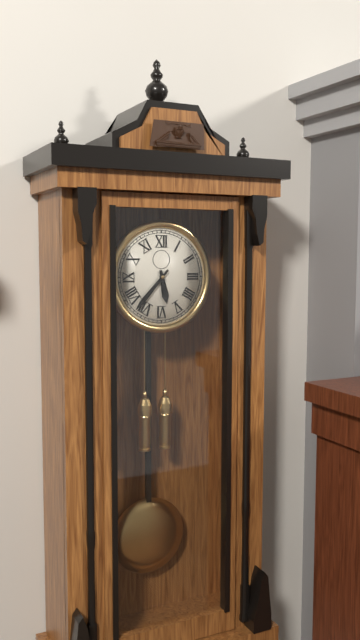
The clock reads 5,37
